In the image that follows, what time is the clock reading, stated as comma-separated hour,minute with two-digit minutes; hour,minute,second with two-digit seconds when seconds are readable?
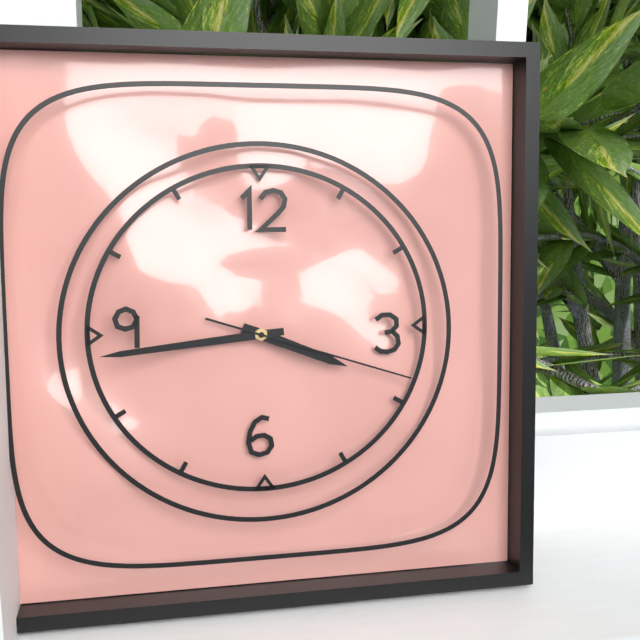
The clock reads 3,44,18
